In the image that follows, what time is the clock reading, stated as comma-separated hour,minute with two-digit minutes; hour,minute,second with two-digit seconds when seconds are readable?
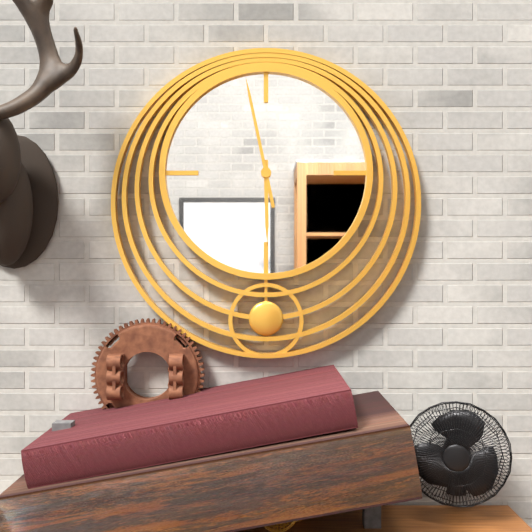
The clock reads 5,58
